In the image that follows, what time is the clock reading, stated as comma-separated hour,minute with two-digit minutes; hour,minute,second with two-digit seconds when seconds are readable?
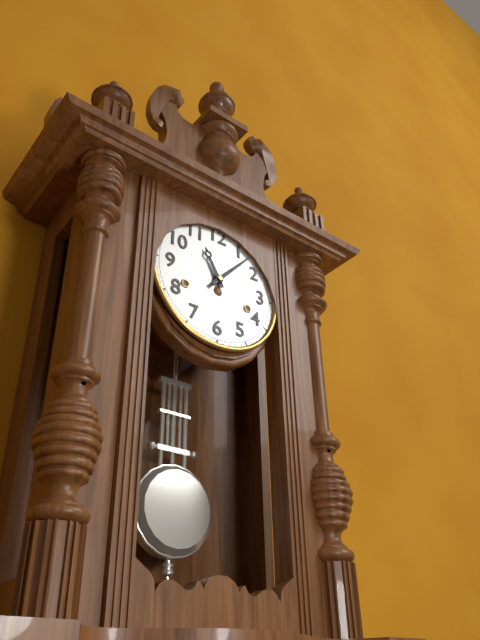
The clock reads 11,07
